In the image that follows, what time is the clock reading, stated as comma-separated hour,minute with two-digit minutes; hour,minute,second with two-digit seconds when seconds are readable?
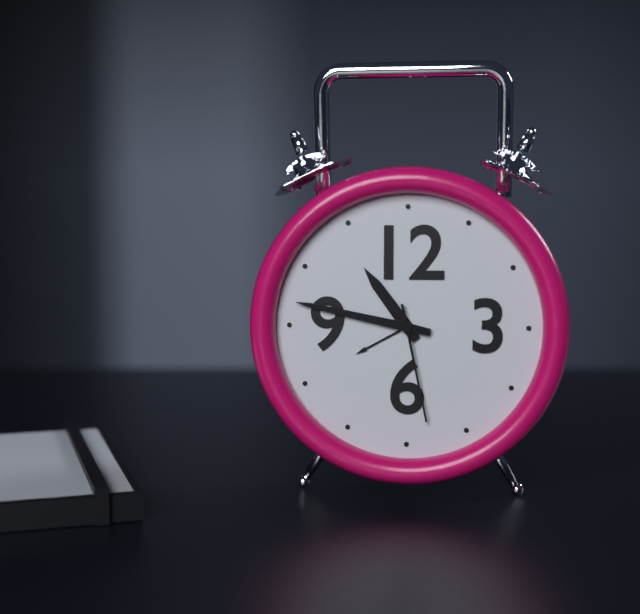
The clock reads 10,47,28
